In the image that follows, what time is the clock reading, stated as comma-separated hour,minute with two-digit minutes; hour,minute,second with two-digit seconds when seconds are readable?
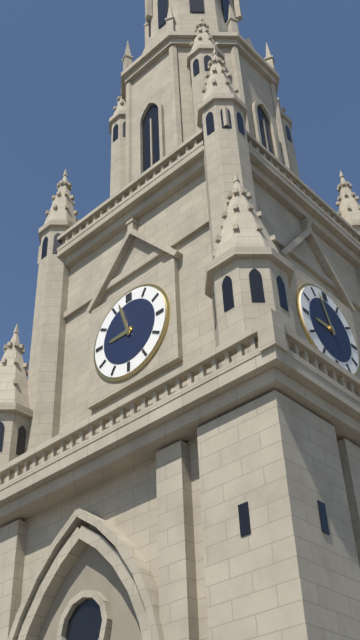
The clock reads 8,57
